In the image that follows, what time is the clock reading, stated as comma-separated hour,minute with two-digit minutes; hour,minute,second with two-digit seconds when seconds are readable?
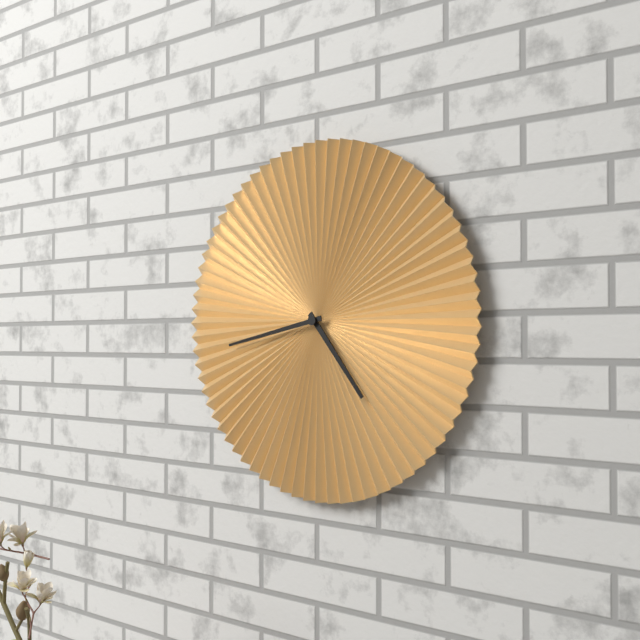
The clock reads 4,43
